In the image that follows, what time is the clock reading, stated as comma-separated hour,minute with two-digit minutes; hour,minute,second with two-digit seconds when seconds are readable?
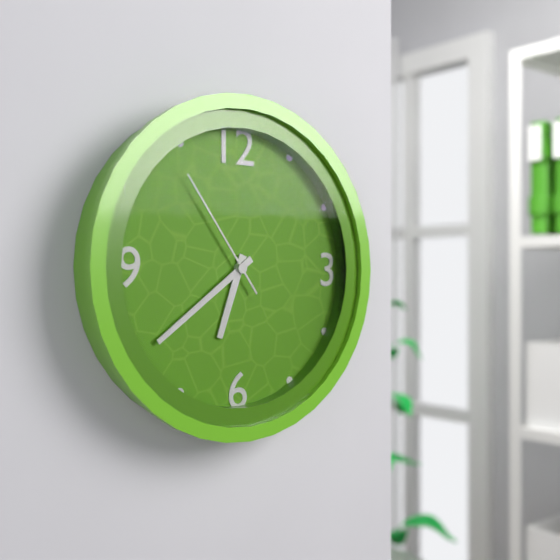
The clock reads 6,39,54
